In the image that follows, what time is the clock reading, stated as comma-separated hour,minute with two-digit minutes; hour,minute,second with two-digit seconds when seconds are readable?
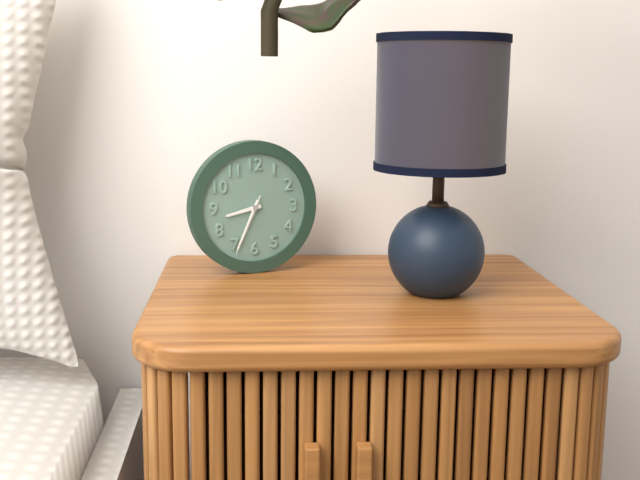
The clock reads 8,34,34
